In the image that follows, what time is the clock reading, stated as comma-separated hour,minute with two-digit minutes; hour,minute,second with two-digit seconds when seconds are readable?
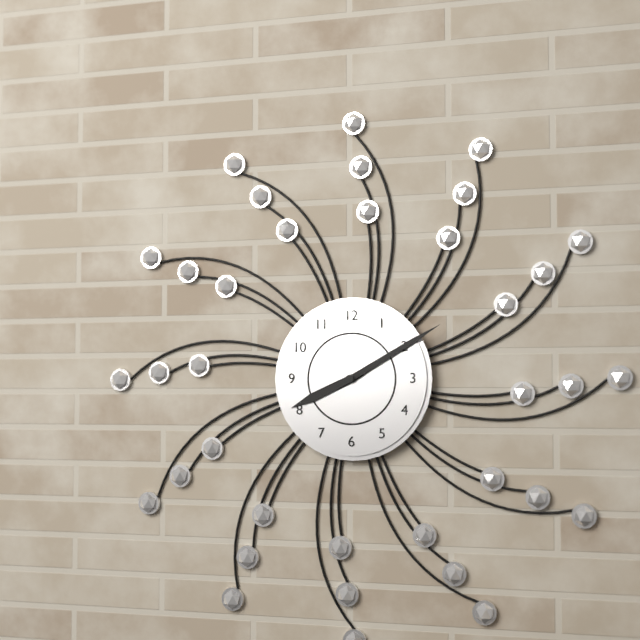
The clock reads 8,10
